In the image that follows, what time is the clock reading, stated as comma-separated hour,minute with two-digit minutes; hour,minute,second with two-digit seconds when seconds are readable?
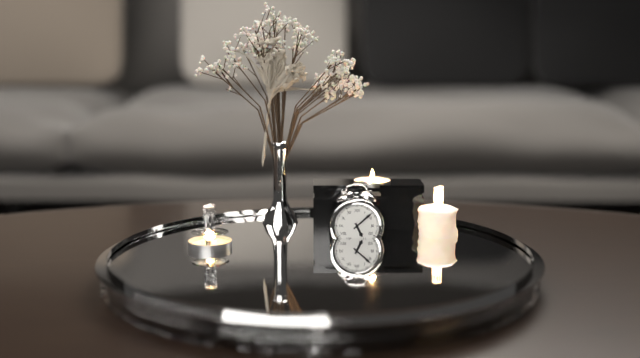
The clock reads 5,08
